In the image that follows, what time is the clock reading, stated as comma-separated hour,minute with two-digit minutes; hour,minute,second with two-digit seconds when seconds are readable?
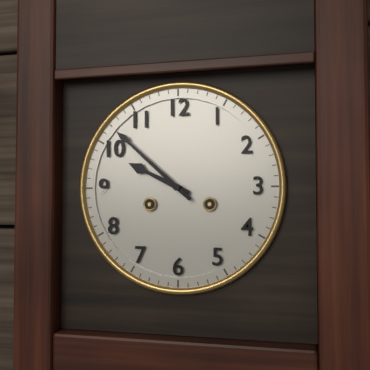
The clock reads 9,52
